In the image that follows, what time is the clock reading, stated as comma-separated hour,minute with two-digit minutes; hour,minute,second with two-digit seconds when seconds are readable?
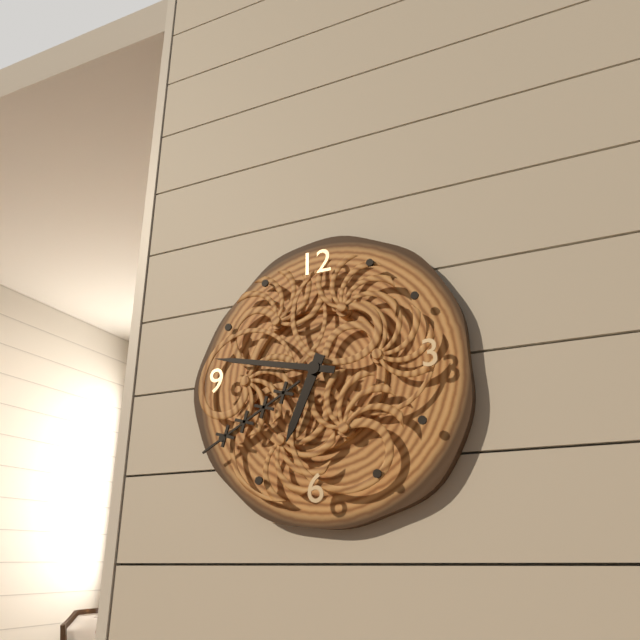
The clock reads 6,47
